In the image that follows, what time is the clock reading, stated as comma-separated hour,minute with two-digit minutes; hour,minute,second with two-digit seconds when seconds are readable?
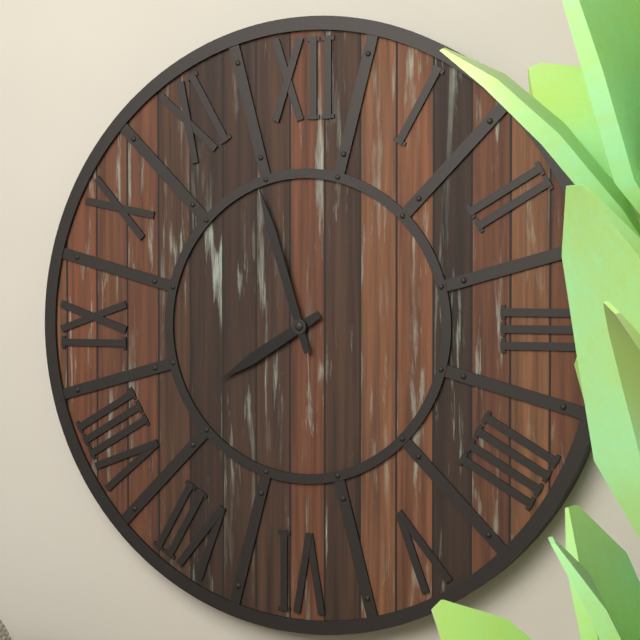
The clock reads 7,57
